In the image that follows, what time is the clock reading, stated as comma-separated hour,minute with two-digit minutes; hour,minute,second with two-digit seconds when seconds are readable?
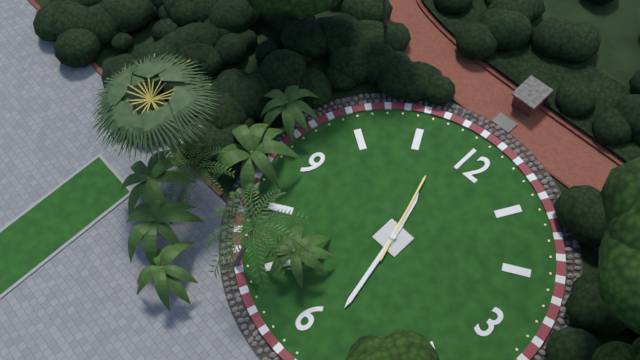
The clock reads 11,28,57
